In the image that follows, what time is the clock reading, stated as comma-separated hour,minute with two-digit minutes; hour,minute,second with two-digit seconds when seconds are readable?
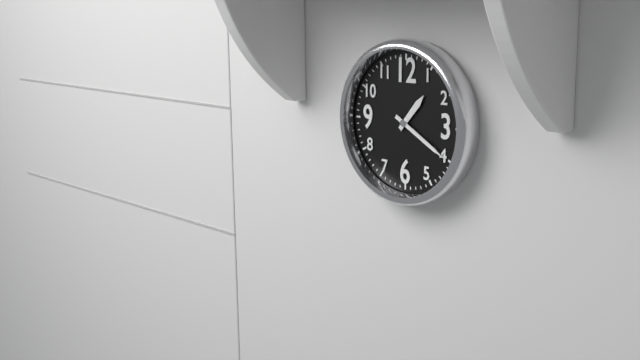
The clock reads 1,20
